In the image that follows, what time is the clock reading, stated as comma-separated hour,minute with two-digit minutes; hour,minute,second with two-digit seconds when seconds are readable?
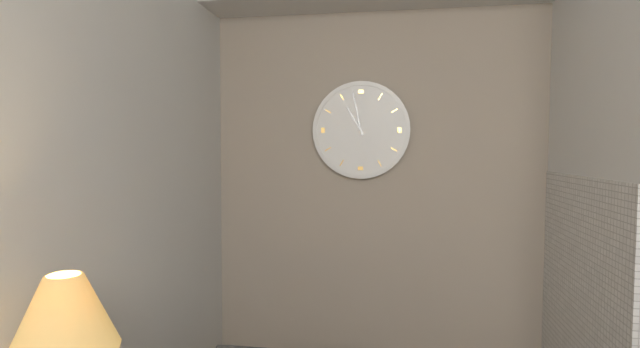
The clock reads 10,58
